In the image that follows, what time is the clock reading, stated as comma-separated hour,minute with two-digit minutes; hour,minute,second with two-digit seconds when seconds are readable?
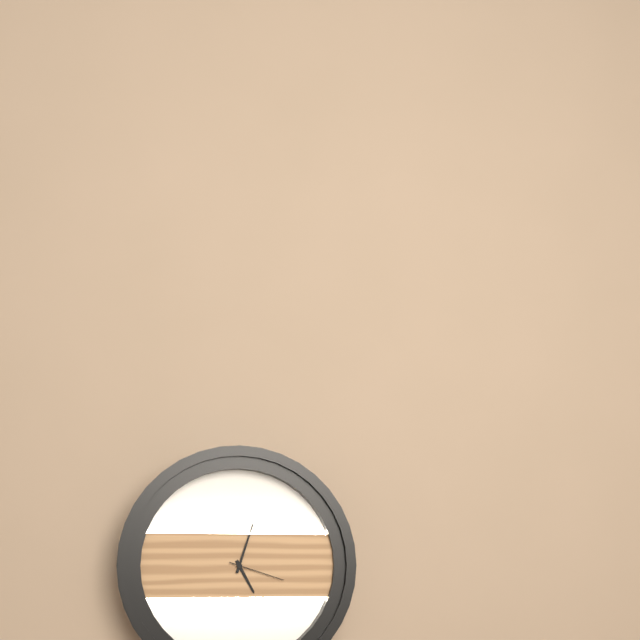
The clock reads 5,03,18
